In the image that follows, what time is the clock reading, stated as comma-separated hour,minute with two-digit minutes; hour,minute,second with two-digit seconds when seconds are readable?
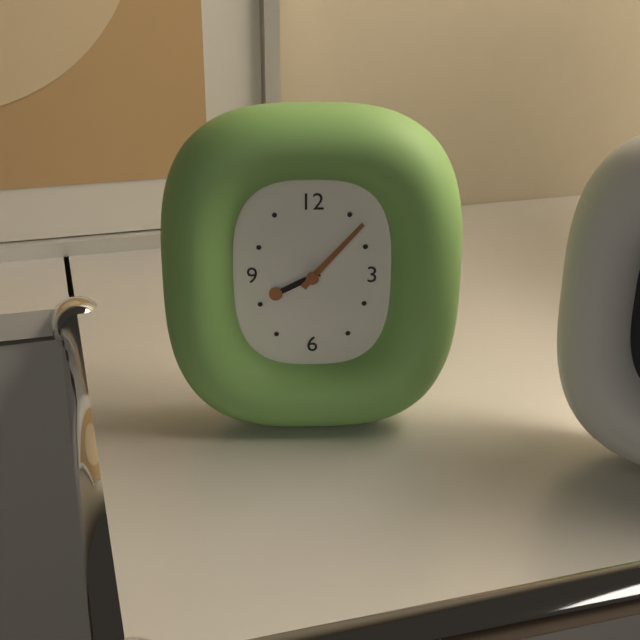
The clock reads 8,07
